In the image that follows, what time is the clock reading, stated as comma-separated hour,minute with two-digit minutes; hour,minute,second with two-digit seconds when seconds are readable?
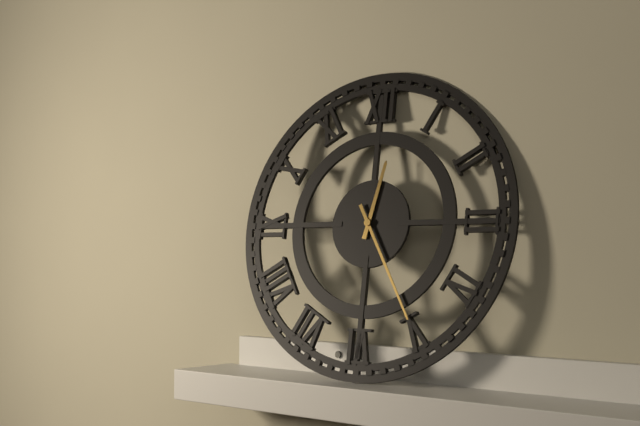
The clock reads 12,25
